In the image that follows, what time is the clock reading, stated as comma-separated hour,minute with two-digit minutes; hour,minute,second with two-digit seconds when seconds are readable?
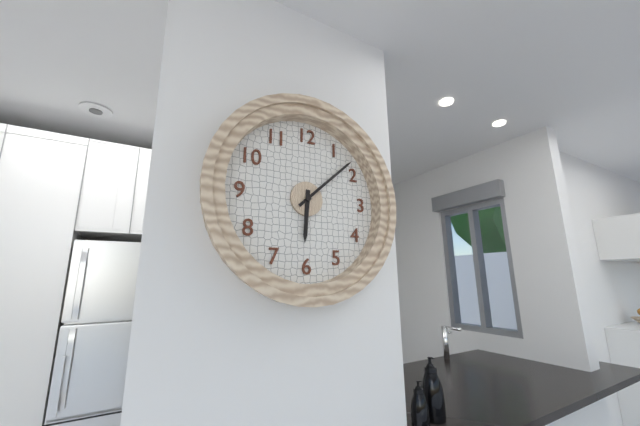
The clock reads 6,08
